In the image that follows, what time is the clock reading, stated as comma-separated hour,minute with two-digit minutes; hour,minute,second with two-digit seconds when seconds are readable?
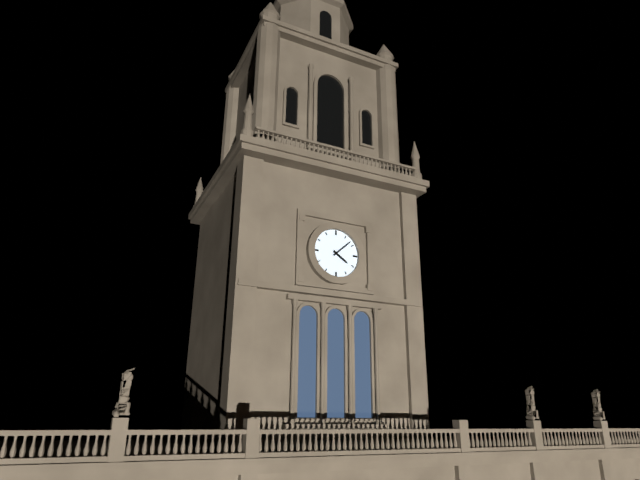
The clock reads 4,08
